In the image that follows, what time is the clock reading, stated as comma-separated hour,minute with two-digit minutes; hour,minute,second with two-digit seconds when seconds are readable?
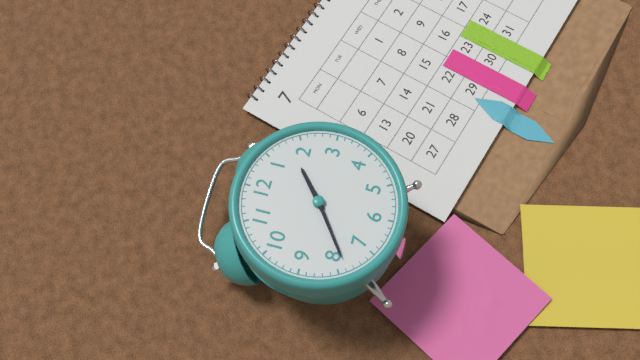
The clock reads 1,39
